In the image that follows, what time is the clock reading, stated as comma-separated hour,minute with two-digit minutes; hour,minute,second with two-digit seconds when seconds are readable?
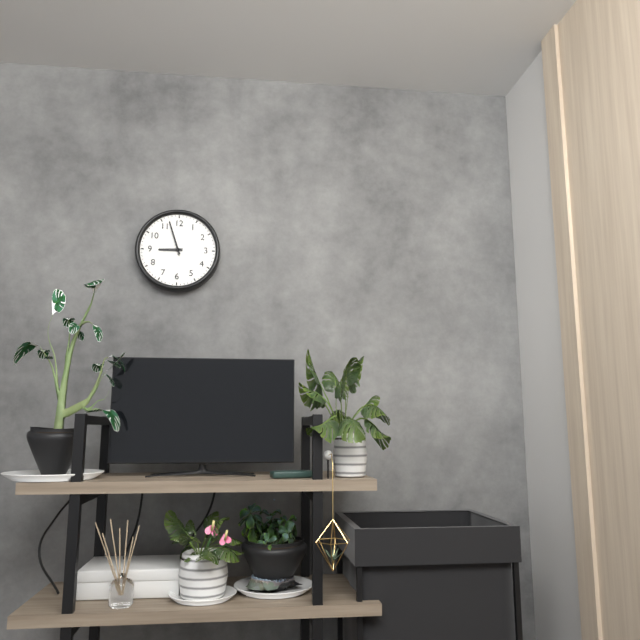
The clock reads 8,57
